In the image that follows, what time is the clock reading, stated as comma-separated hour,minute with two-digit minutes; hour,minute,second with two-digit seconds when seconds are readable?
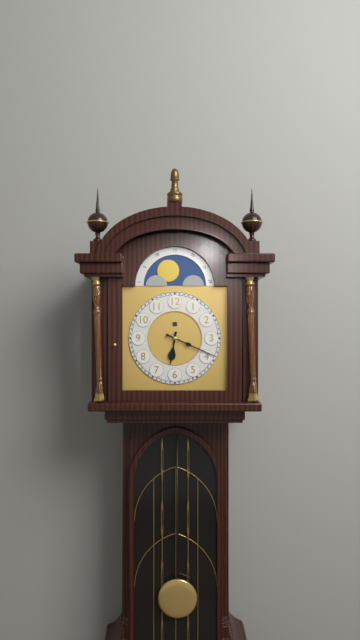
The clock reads 6,19
